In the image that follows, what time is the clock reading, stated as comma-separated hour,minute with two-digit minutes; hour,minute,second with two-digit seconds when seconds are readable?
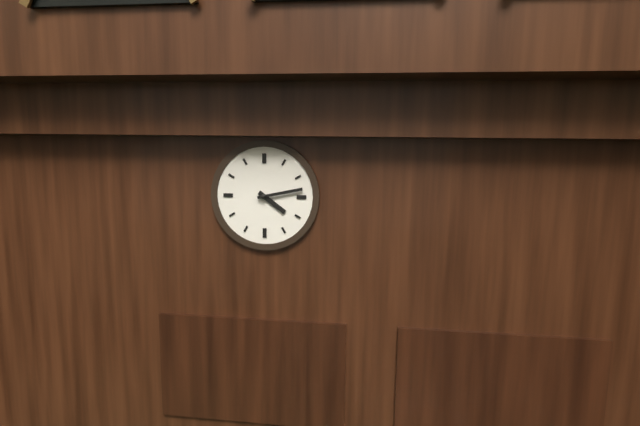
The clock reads 4,13
